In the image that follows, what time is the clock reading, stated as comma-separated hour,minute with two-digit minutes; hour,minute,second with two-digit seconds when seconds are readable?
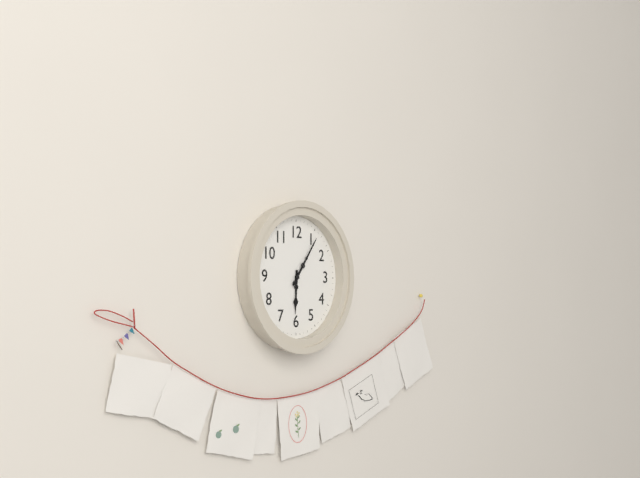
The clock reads 6,06
